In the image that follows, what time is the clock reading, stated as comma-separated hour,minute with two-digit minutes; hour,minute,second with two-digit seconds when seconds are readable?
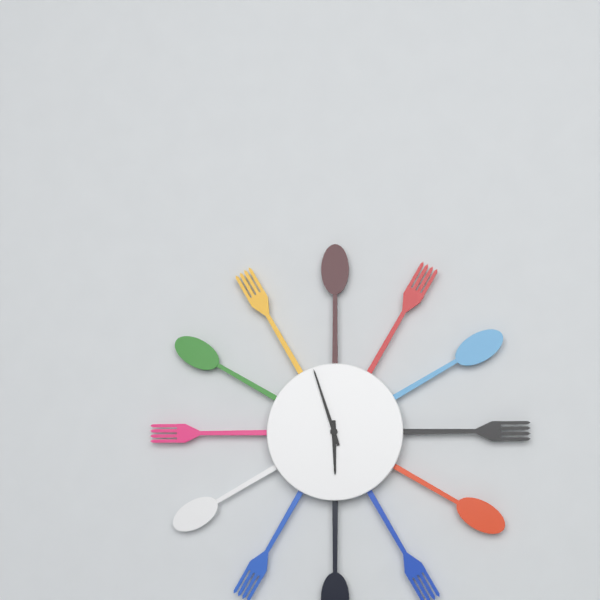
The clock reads 5,57
